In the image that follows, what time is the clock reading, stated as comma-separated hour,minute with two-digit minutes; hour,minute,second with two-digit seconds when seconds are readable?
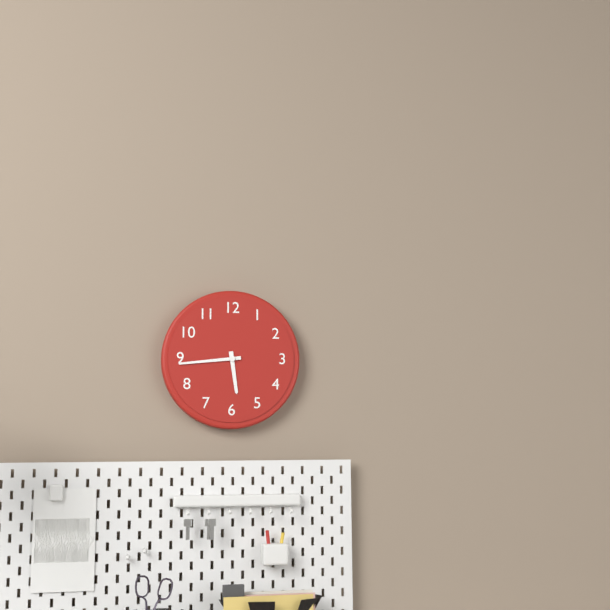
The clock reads 5,44
